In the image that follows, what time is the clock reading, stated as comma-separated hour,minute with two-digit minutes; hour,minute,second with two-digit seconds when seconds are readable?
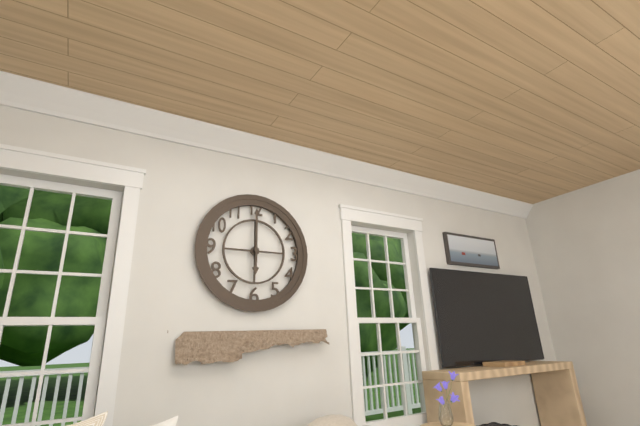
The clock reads 6,00
